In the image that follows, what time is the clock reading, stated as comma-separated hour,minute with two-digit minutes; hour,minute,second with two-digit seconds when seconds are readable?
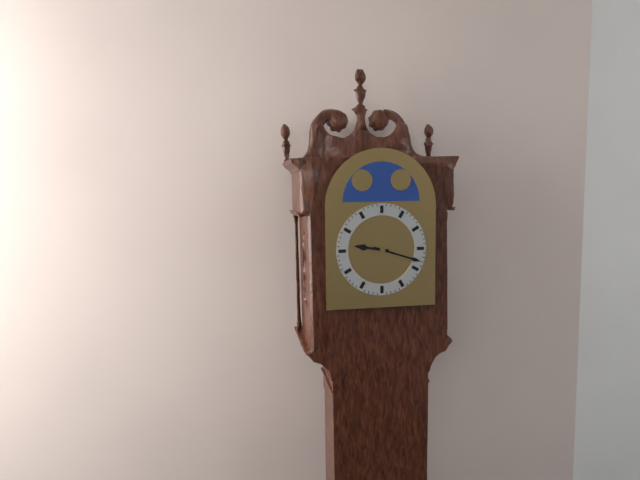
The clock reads 9,18
